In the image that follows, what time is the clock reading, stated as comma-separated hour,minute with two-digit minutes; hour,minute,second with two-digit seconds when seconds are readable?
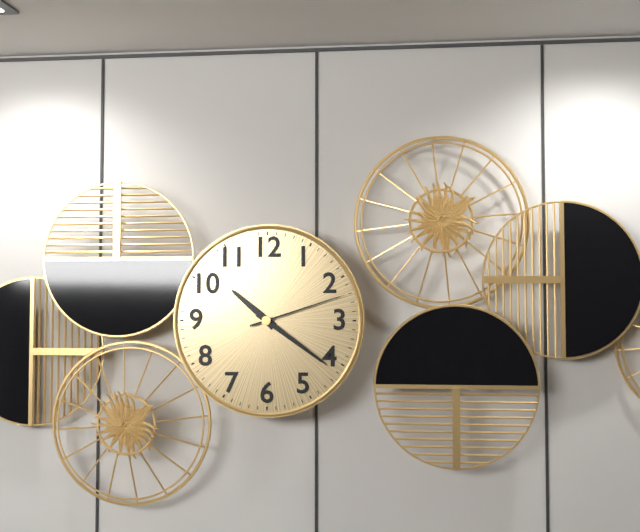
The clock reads 10,21,12
